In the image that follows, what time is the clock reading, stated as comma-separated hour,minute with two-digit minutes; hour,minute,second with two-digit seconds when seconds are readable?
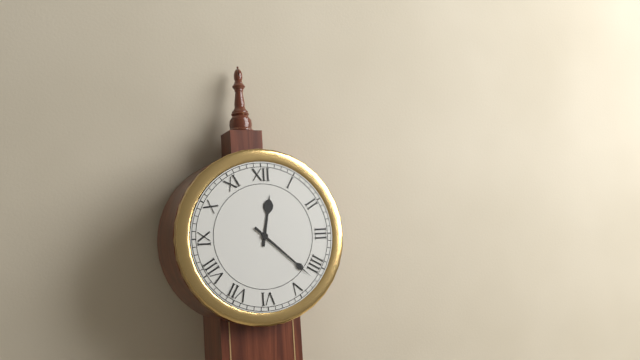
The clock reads 12,22
